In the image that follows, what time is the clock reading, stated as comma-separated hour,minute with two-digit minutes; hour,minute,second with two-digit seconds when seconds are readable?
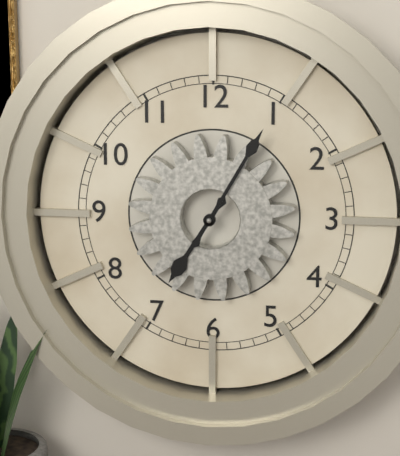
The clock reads 7,05
